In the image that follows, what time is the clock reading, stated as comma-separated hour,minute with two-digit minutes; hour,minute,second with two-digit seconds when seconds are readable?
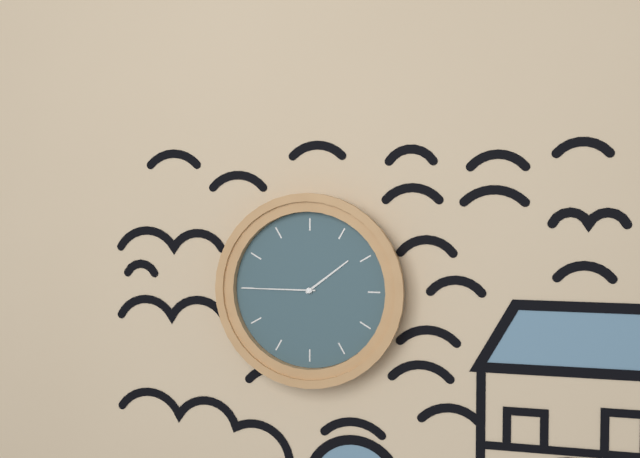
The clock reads 1,45
